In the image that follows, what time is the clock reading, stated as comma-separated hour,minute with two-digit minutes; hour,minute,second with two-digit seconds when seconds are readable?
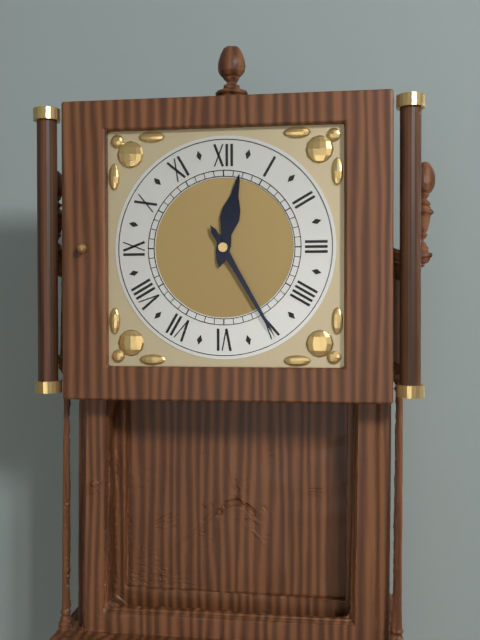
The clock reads 12,25
